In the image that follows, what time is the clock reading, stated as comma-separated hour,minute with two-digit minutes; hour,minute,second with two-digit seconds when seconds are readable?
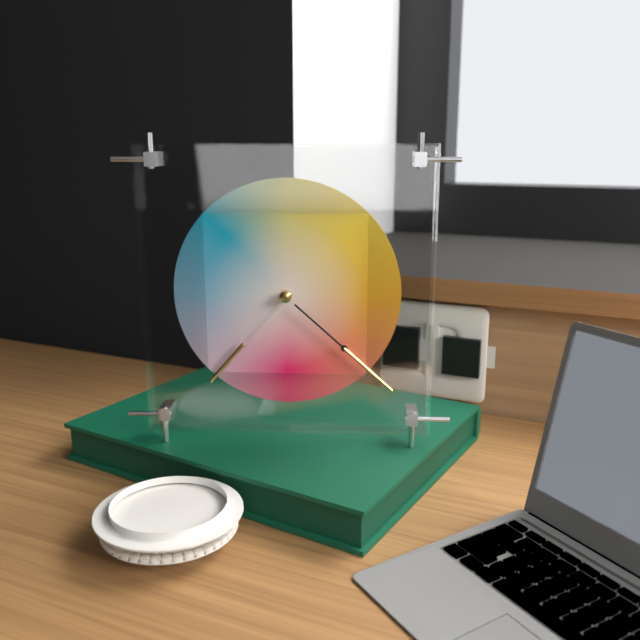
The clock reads 7,22
